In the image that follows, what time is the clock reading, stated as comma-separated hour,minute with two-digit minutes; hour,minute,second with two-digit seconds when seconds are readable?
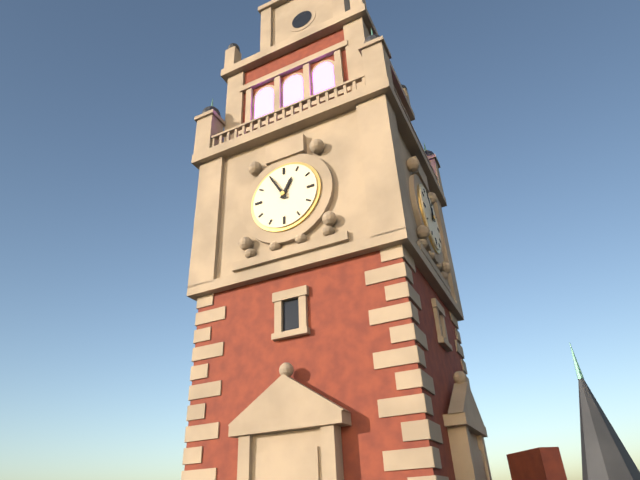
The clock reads 12,55
